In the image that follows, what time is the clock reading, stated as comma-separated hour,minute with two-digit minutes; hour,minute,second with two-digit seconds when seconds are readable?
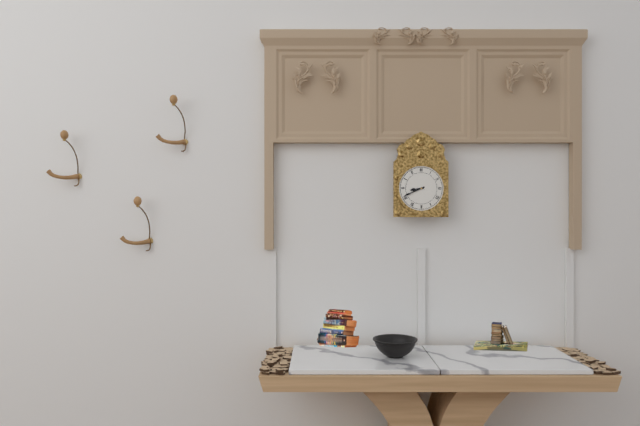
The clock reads 8,41
